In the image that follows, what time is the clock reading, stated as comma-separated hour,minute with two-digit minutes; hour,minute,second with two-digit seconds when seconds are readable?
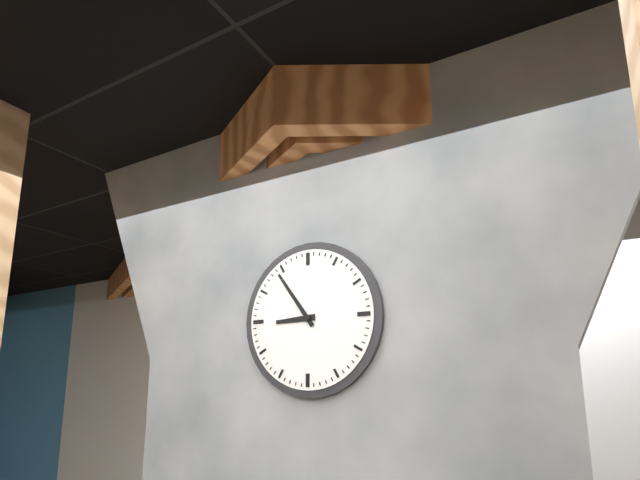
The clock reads 8,54
